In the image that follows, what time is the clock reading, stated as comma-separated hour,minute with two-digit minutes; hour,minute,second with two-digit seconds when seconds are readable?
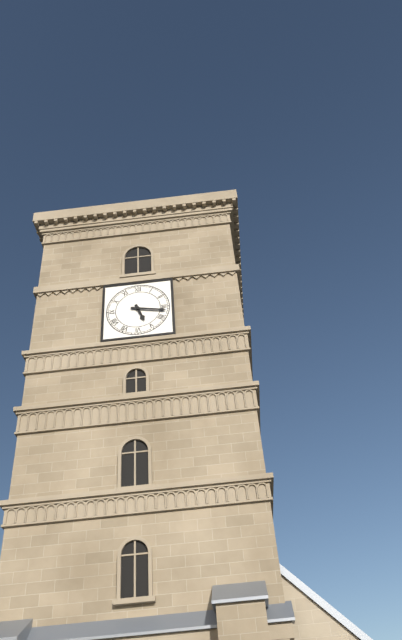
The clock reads 5,17
